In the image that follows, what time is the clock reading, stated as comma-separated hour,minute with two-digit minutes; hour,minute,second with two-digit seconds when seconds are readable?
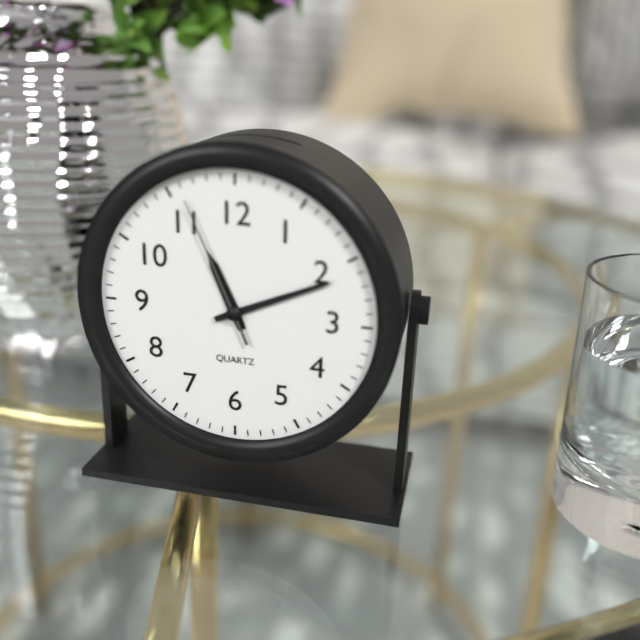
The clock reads 11,11,56
